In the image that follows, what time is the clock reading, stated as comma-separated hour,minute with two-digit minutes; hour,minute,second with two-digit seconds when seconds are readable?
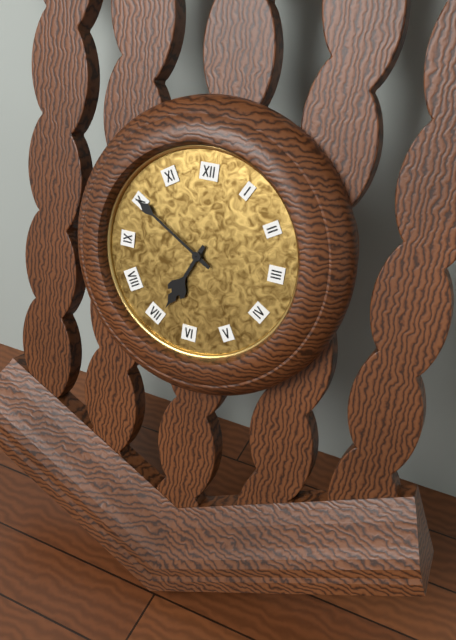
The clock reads 6,50
